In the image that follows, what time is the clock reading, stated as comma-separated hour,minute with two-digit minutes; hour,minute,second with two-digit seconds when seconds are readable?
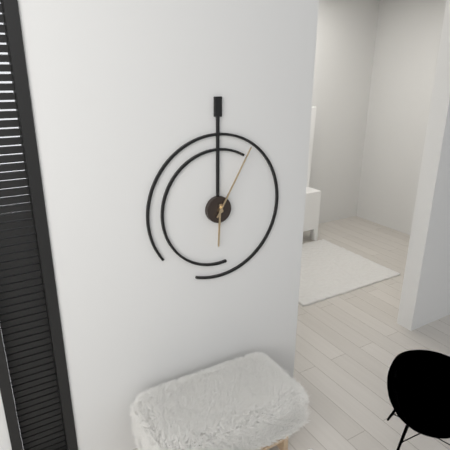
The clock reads 6,05
